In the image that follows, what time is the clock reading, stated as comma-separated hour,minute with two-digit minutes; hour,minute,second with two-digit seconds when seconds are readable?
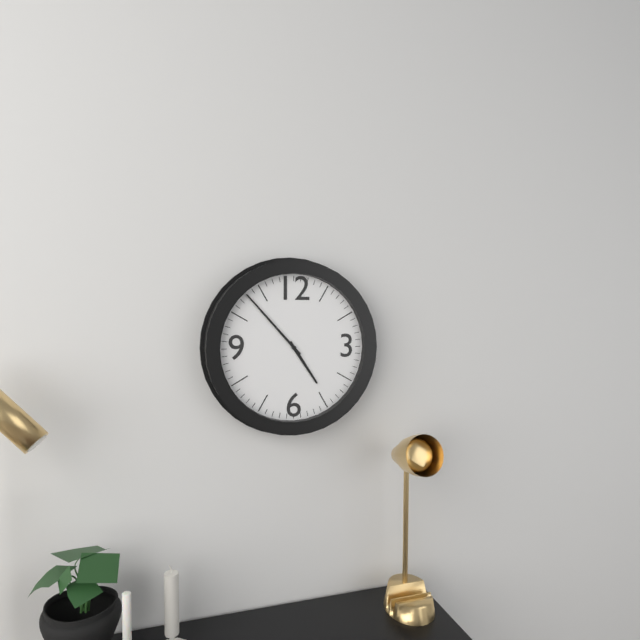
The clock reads 4,53
